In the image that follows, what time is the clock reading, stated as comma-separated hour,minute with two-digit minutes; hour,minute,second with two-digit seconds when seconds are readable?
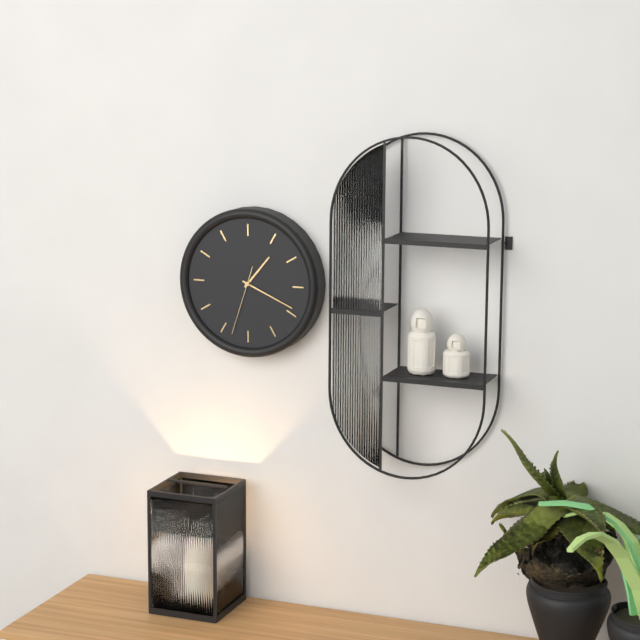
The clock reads 1,19,33
